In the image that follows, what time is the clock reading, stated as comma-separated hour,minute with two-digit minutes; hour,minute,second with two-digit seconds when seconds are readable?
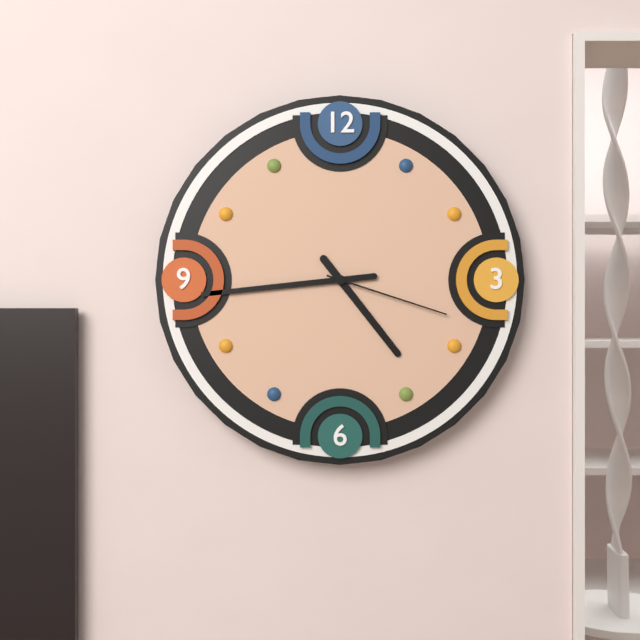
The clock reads 4,44,18
